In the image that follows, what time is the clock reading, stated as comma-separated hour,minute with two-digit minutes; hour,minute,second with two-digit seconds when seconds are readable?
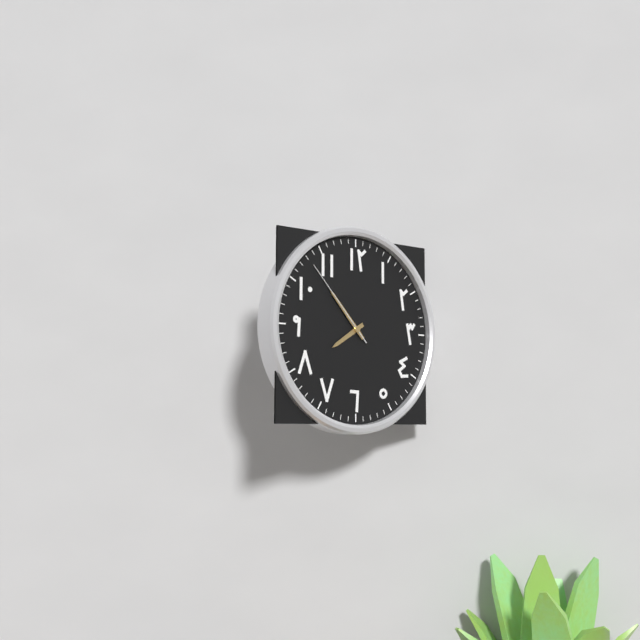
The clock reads 7,53,53
